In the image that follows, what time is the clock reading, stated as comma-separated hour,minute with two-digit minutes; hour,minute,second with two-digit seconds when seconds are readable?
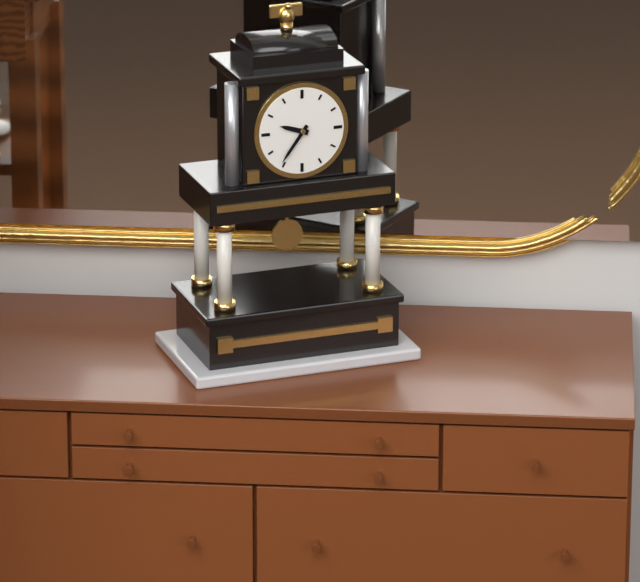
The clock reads 9,36
